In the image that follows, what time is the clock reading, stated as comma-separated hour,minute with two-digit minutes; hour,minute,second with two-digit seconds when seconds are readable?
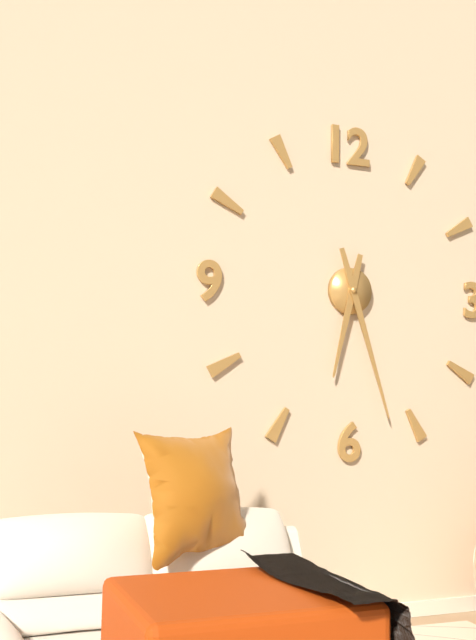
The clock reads 6,27
